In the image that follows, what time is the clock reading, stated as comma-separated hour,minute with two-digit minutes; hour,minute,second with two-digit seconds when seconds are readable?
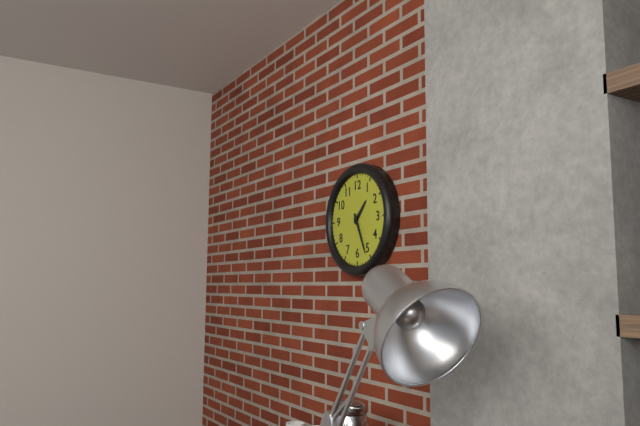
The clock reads 1,26
